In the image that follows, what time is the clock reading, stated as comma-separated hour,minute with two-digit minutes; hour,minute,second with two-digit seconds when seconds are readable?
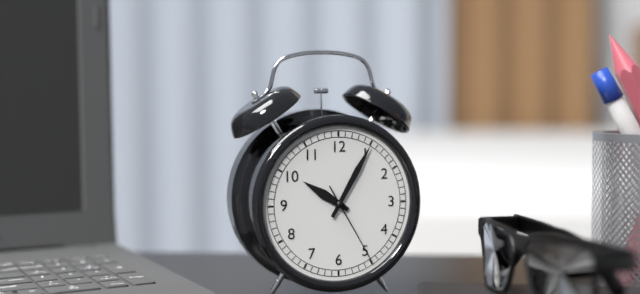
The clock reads 10,05,25
